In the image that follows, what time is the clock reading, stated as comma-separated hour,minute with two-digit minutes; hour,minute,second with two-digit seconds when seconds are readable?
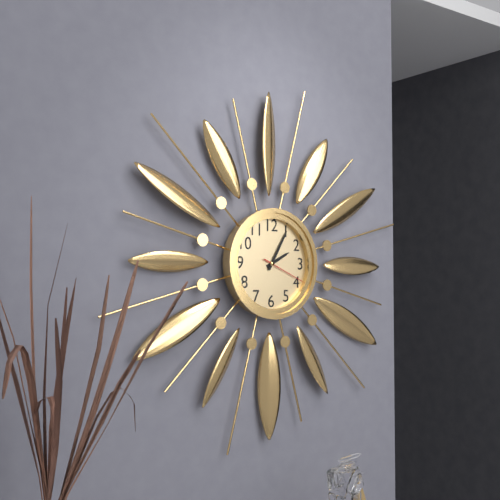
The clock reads 2,05
